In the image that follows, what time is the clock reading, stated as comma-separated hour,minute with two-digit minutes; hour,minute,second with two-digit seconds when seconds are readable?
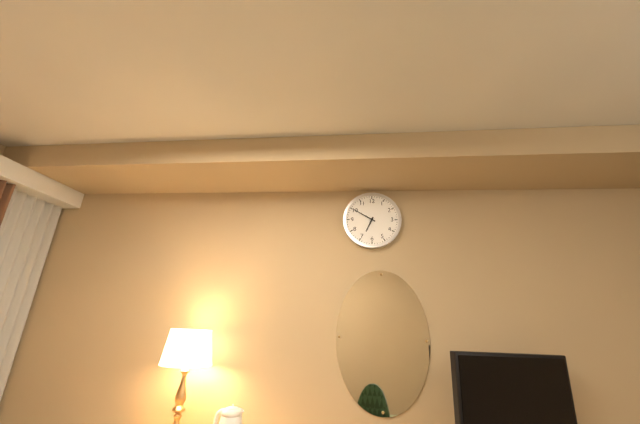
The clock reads 6,50
